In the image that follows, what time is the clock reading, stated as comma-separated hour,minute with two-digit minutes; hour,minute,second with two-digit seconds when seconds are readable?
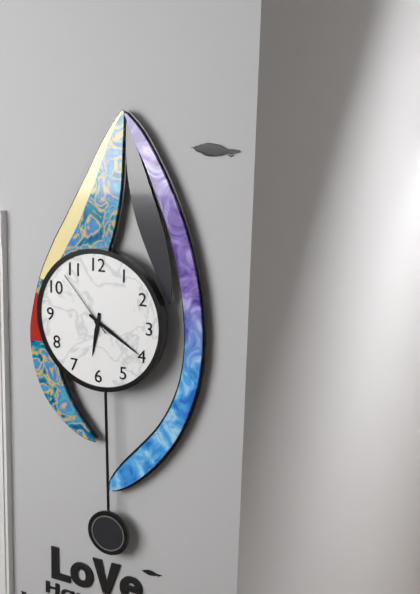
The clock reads 6,20,53
